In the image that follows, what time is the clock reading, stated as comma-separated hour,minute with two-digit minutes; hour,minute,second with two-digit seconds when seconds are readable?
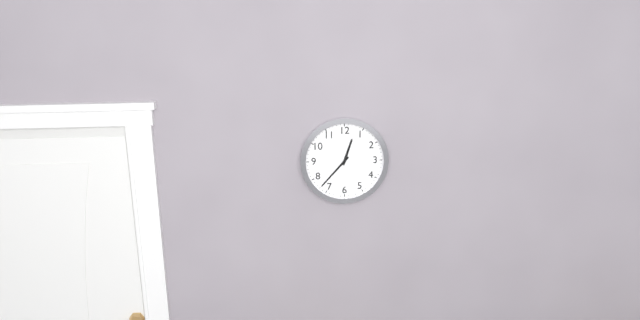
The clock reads 12,37
